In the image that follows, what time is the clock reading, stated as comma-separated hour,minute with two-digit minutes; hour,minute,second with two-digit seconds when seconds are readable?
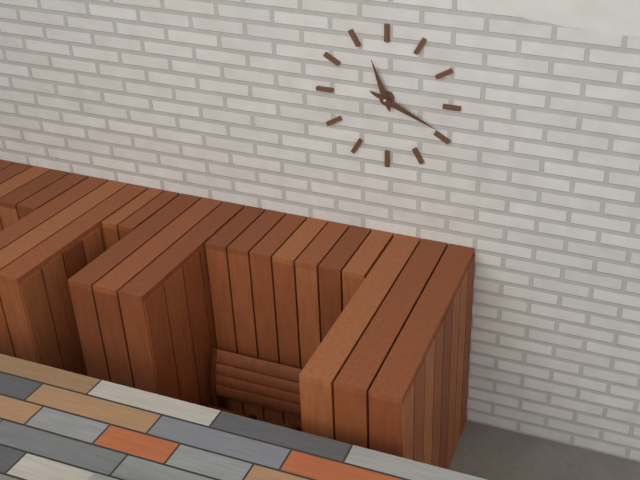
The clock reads 11,19
